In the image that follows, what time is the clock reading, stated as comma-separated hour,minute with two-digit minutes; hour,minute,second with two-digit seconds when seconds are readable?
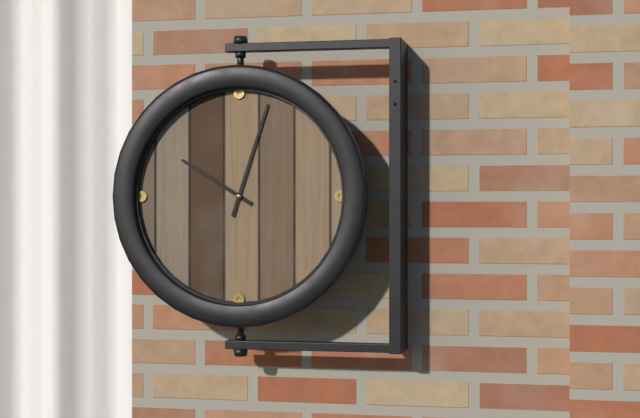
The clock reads 10,03
